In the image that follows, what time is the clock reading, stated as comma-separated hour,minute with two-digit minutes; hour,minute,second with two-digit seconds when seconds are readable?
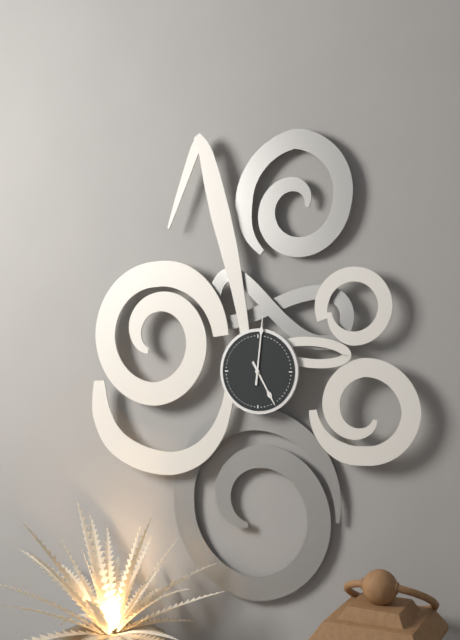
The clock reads 5,01
